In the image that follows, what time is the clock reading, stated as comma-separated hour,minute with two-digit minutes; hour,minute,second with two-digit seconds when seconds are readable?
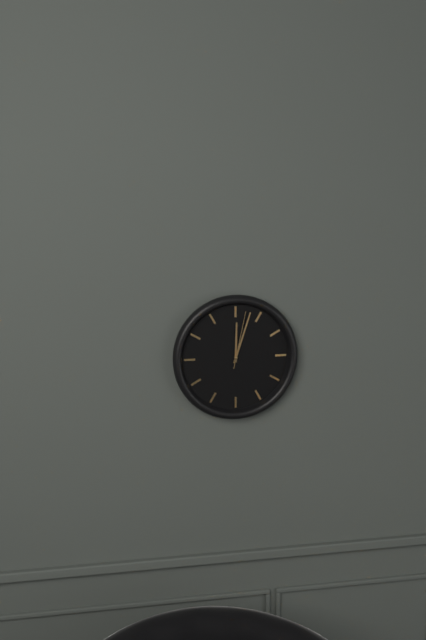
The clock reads 12,03,02
